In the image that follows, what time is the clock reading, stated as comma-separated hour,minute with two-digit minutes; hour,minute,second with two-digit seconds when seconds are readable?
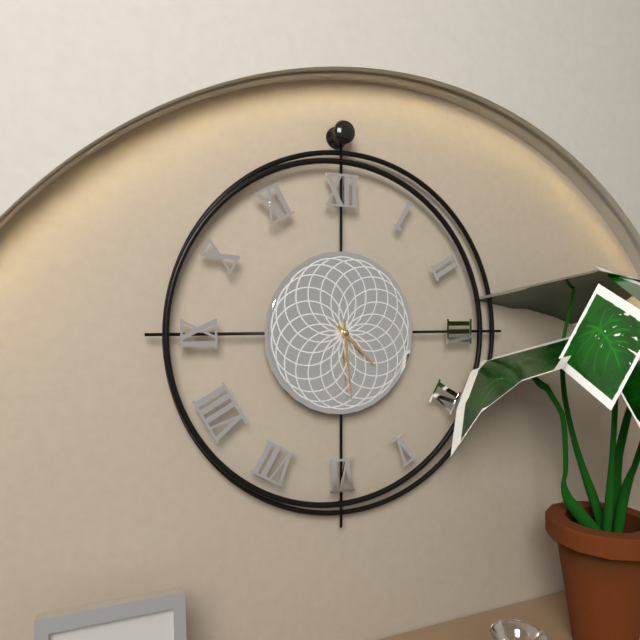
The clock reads 4,29
